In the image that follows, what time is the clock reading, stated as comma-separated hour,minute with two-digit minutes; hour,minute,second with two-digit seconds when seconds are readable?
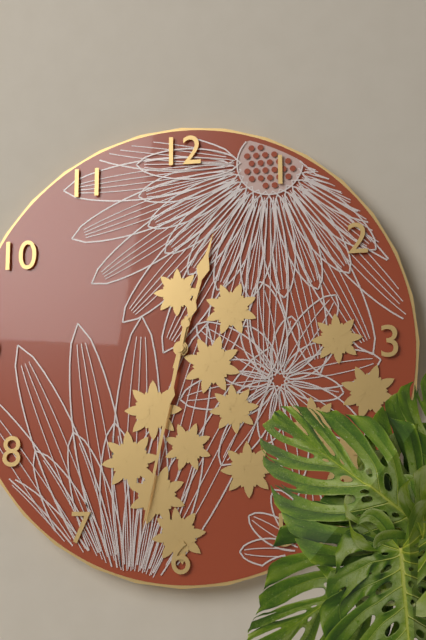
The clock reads 12,32
